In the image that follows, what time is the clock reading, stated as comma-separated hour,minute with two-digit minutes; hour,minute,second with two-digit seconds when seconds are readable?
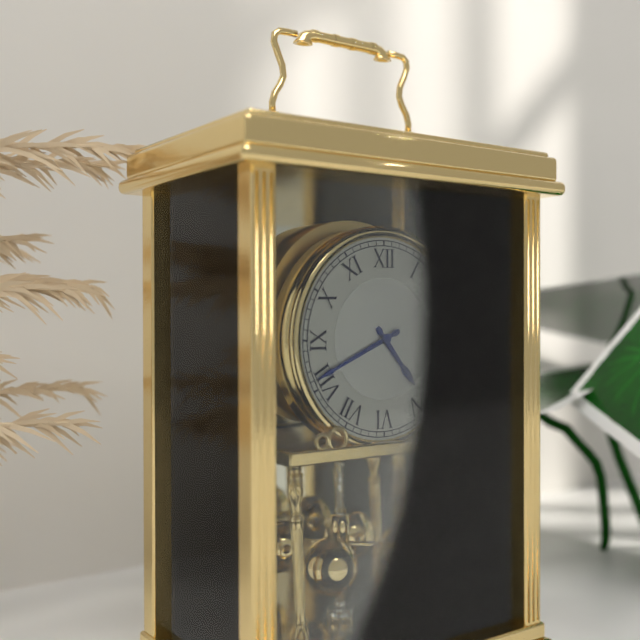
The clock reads 4,41
